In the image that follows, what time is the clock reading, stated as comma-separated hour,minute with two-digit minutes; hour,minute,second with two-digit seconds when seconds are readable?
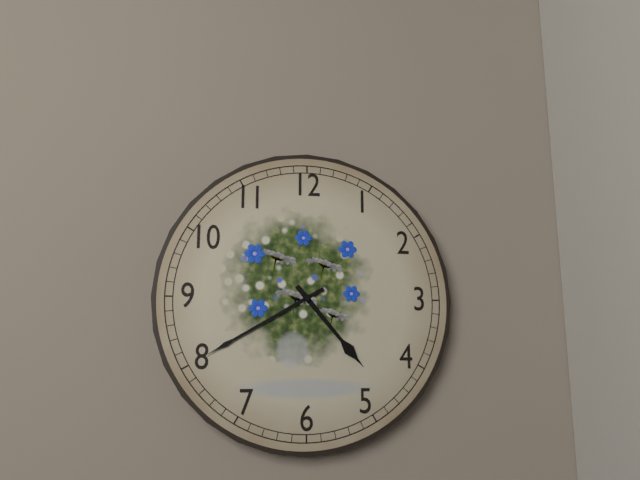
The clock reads 4,40
